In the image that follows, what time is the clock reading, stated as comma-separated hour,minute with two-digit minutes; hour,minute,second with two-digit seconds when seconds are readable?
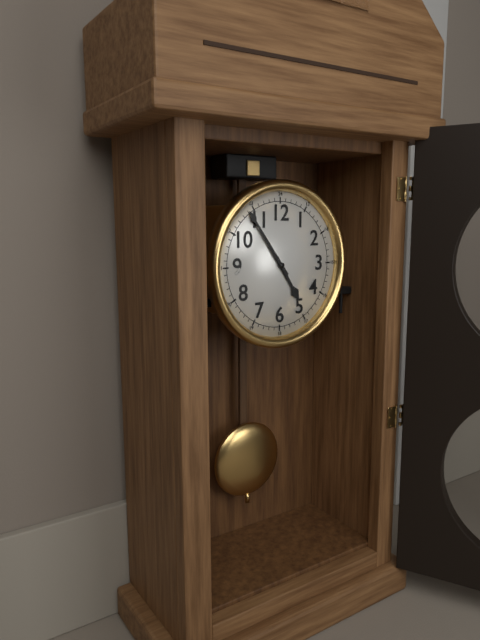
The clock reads 4,54
